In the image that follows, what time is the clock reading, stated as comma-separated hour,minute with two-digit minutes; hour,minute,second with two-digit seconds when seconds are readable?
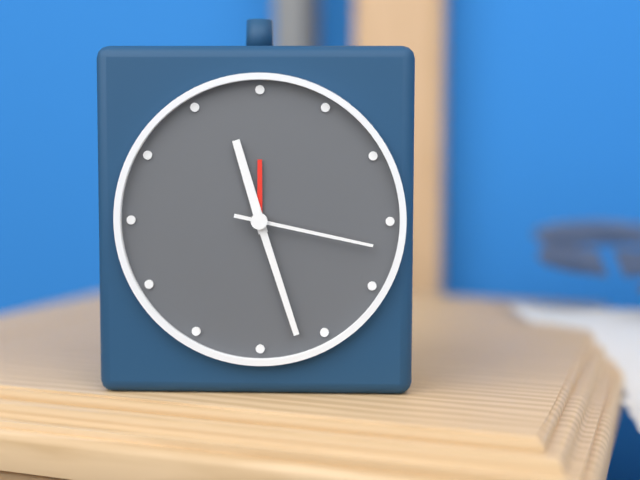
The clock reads 11,27,17
